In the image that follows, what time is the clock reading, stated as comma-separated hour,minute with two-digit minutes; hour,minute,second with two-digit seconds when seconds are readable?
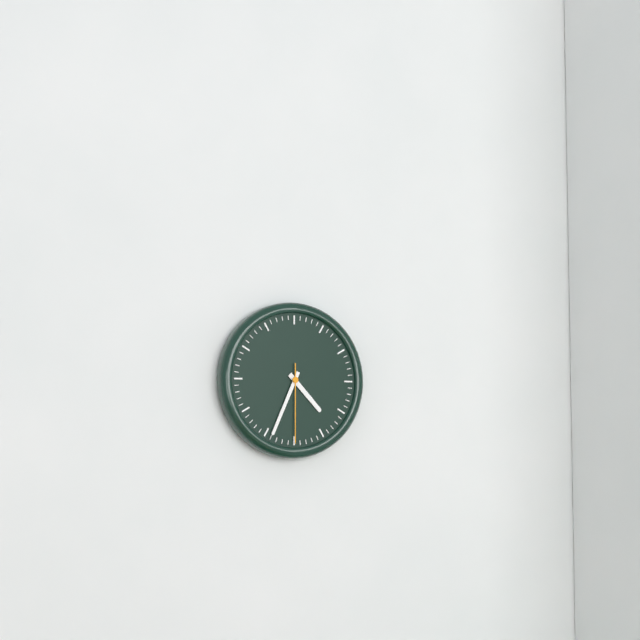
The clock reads 4,34,30
